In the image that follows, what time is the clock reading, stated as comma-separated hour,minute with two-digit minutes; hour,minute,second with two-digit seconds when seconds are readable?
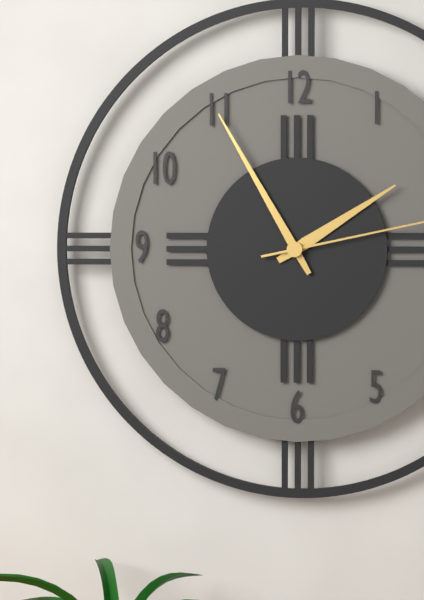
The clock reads 1,55
